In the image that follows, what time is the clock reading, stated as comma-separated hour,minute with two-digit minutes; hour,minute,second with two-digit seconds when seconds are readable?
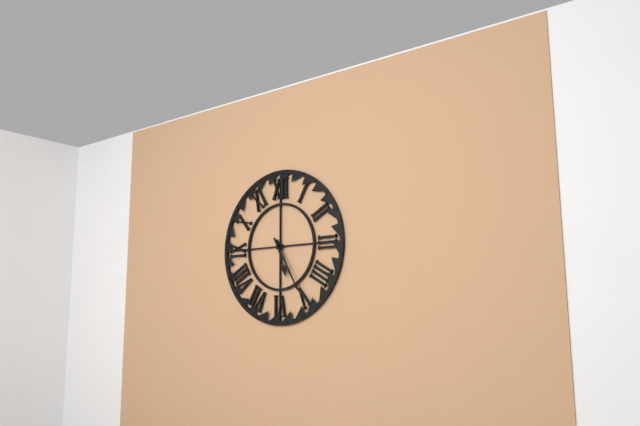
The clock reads 5,25
